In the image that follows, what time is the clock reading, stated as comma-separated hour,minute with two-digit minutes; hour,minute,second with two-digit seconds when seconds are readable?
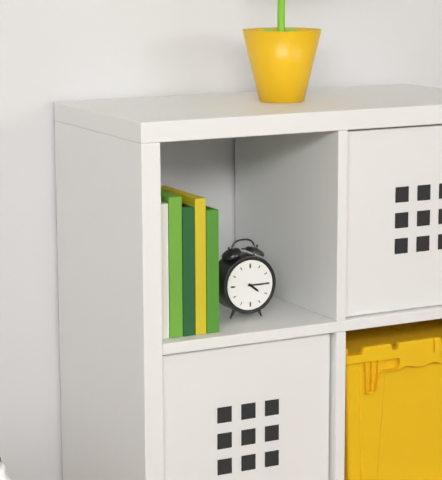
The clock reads 4,15
